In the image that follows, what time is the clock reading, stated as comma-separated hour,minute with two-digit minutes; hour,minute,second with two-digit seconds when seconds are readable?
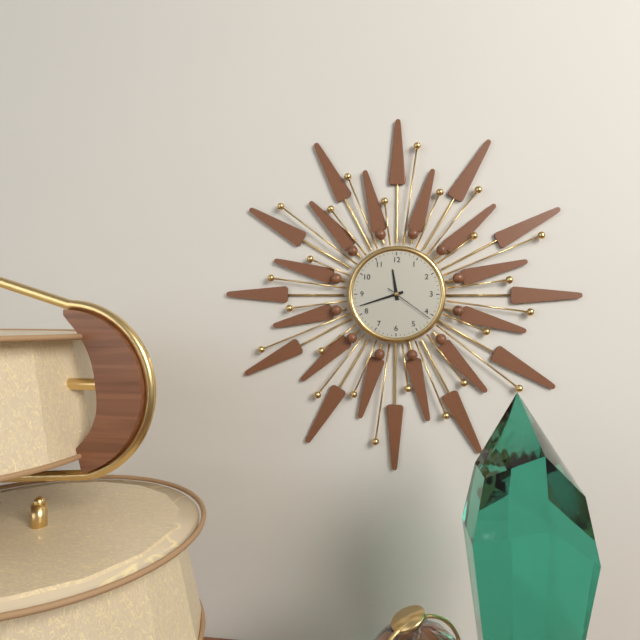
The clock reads 11,42,21
